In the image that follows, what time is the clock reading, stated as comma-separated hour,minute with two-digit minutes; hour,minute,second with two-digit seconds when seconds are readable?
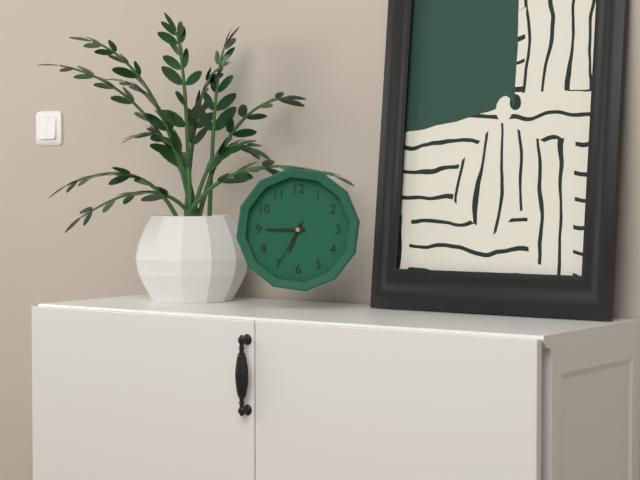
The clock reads 6,45
